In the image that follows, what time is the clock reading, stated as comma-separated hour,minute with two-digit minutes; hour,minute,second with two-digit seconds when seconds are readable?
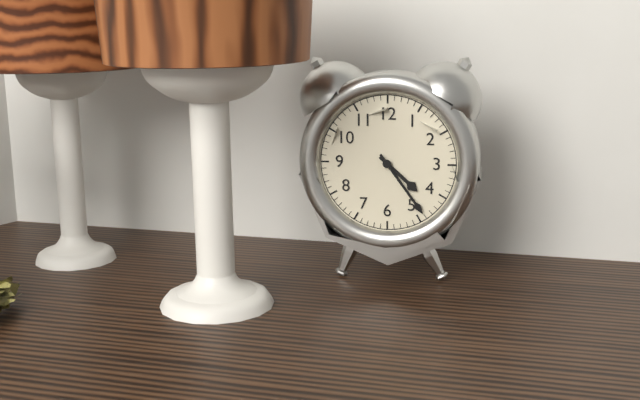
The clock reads 4,24
